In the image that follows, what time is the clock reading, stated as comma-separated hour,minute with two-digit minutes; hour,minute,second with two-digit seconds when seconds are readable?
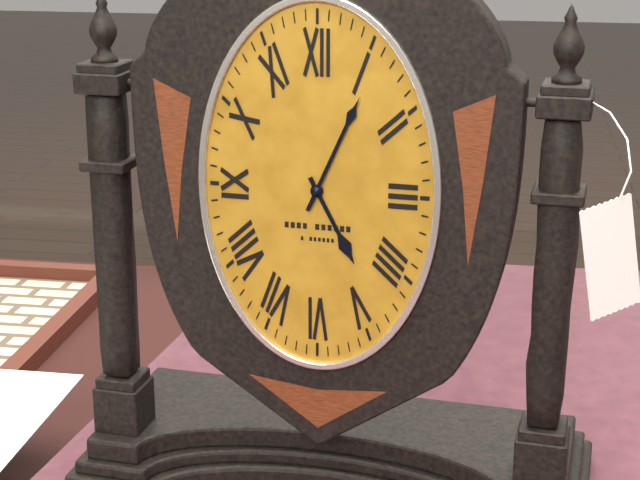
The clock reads 5,04
